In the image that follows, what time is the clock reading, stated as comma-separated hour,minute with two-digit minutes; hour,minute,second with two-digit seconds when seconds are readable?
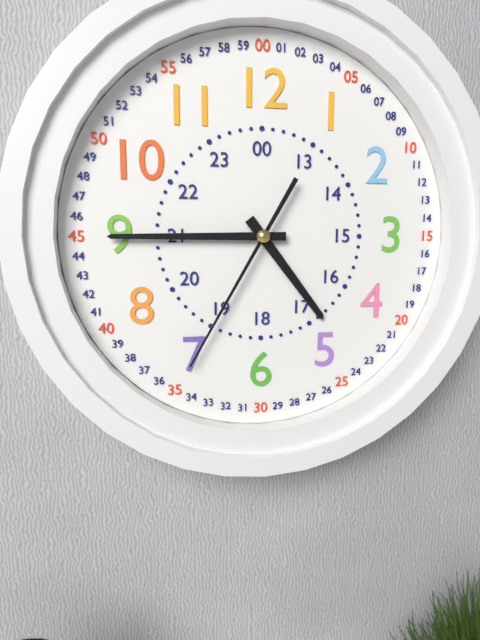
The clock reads 4,45,35
